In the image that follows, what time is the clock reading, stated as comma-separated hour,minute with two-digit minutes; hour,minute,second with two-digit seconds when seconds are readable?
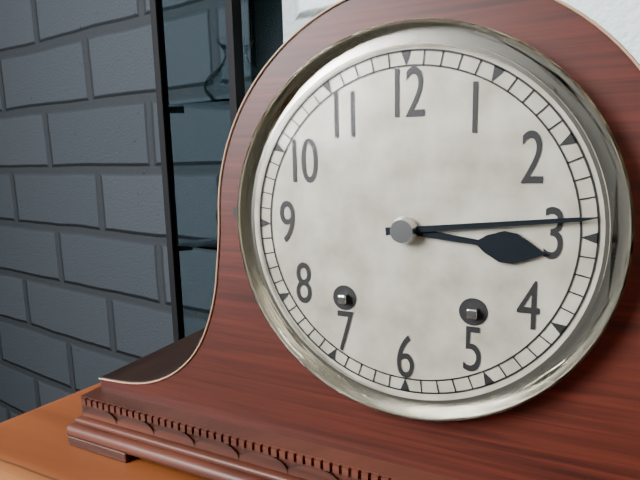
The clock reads 3,14
